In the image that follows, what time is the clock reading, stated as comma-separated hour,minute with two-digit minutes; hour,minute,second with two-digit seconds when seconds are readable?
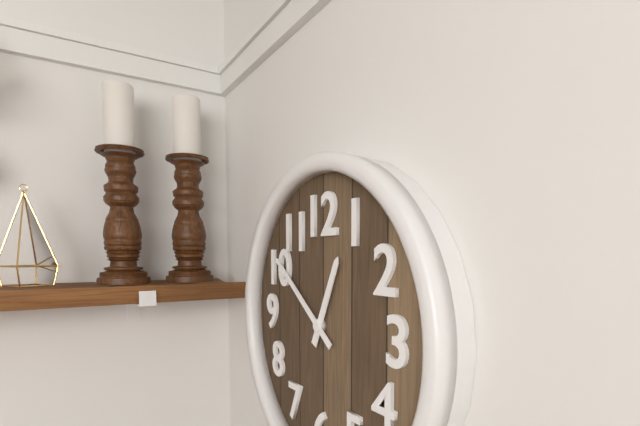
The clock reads 12,51
